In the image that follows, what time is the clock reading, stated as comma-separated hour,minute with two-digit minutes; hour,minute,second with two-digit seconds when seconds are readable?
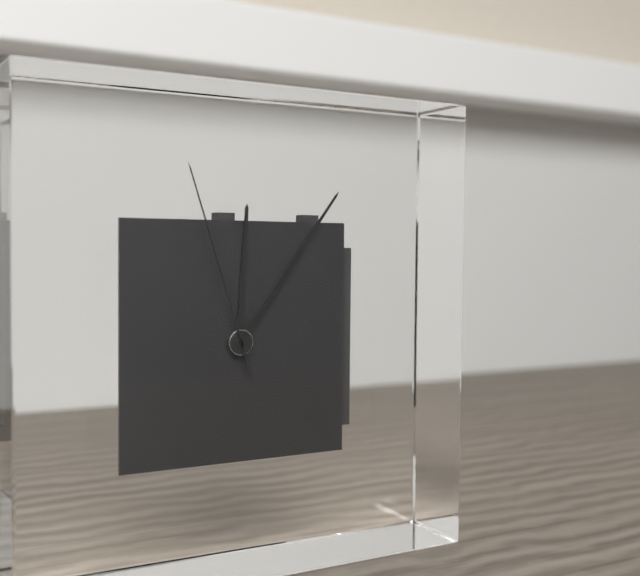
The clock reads 12,06,57
